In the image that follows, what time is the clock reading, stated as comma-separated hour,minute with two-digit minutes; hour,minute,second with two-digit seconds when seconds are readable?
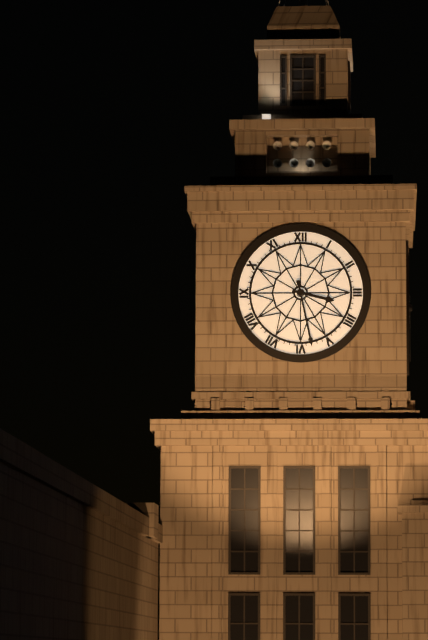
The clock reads 3,28
